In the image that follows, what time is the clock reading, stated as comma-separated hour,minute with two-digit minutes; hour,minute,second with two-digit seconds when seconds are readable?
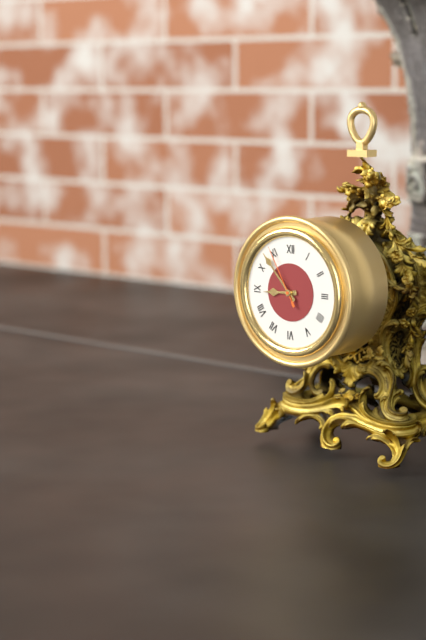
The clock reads 8,53,55
